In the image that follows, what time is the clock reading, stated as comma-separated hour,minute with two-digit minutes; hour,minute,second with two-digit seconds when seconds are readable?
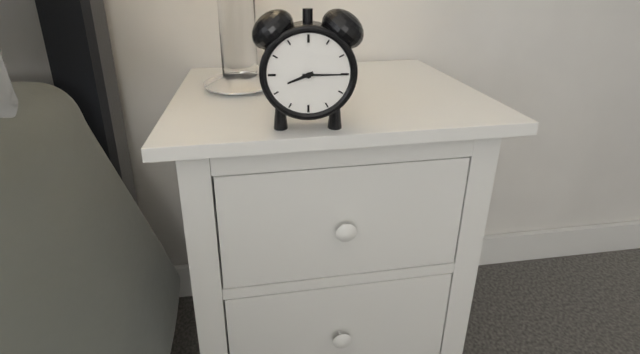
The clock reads 8,15
